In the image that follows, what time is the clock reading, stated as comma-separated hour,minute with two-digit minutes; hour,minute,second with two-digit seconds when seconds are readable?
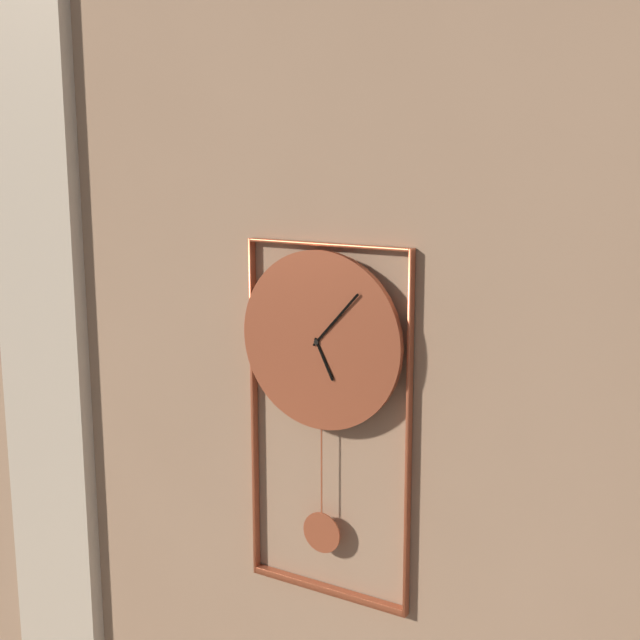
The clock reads 5,07
